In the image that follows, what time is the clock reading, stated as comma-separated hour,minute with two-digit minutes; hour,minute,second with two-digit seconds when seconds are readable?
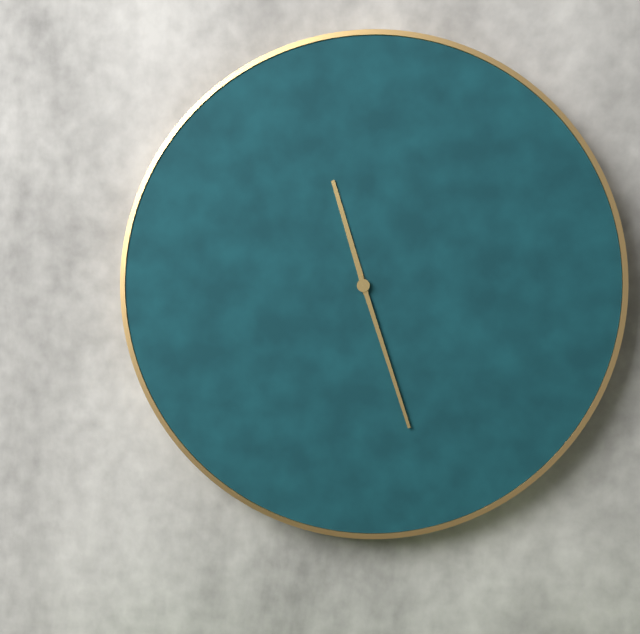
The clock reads 11,27
